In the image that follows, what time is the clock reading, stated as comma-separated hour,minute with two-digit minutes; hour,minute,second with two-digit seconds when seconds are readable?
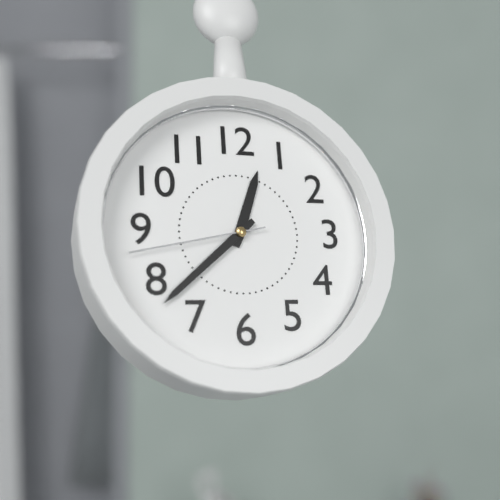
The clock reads 12,38,43
